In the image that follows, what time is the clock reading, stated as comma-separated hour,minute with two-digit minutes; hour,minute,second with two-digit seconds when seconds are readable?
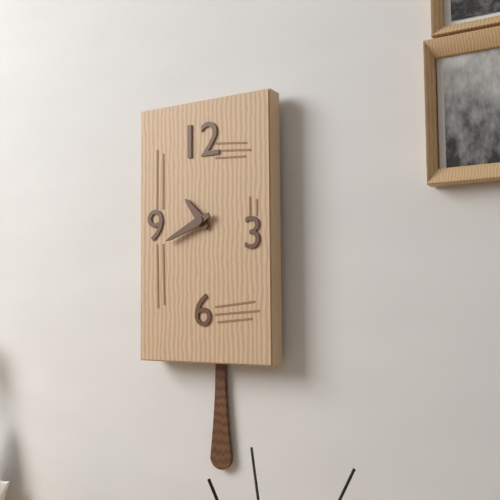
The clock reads 10,41
